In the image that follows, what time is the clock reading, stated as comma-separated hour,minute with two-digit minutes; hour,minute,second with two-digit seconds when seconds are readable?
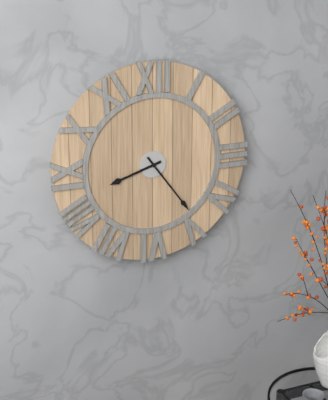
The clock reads 8,24
